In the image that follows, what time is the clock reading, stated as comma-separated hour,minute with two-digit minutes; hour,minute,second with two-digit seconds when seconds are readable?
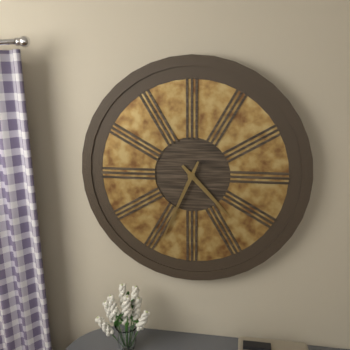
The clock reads 4,34
